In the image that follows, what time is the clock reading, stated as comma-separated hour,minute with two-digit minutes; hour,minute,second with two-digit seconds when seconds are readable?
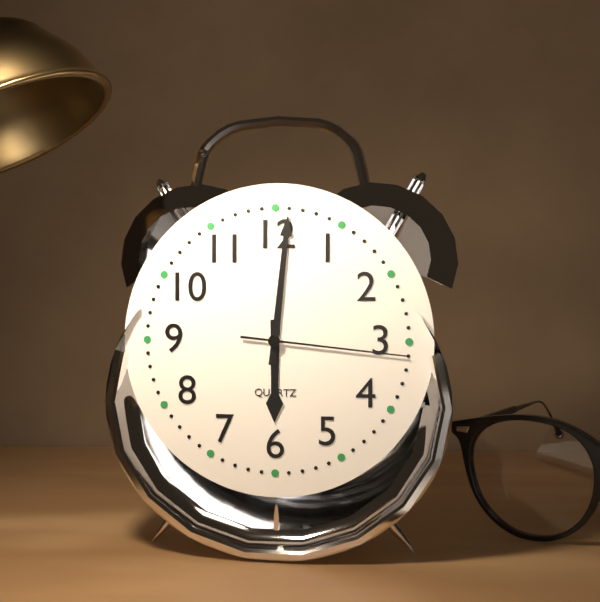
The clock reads 6,01,16
